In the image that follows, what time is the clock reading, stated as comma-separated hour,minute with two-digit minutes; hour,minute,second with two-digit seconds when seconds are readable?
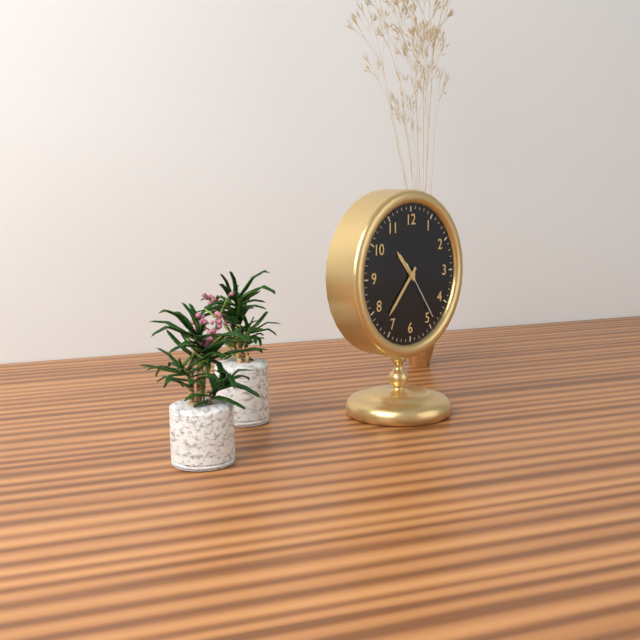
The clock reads 10,37,24
